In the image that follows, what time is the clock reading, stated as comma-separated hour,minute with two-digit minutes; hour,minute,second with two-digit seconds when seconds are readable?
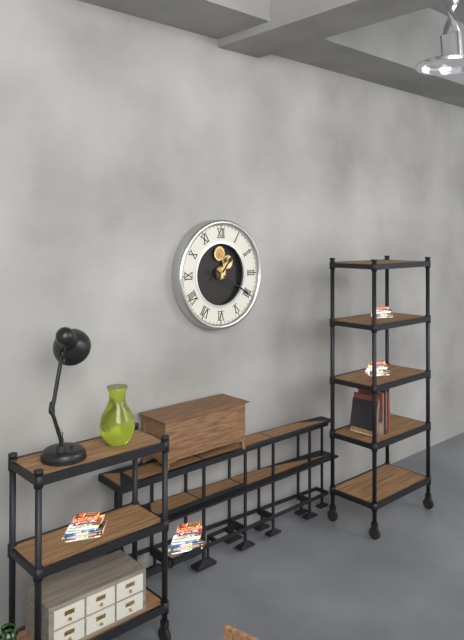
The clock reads 1,20
